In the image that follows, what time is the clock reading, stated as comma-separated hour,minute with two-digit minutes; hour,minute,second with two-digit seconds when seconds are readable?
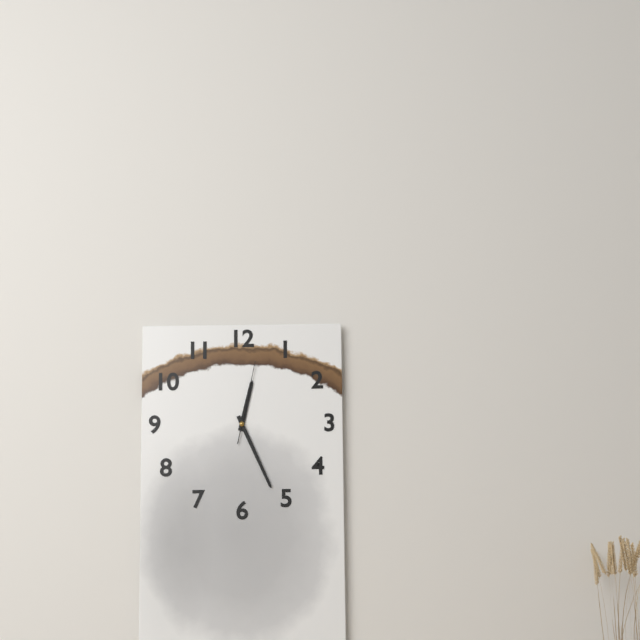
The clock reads 12,26,02
